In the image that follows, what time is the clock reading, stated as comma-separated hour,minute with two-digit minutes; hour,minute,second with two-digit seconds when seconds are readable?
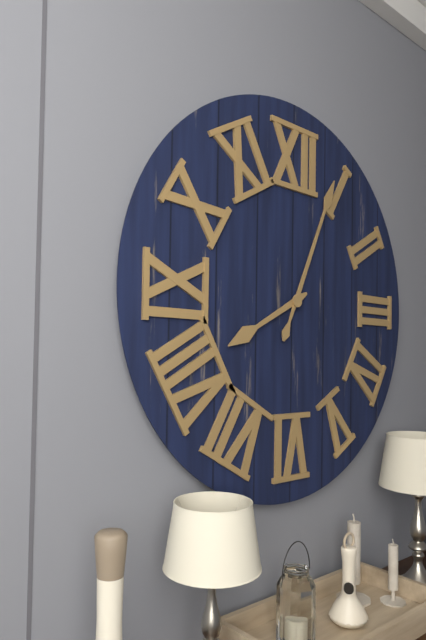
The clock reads 8,04
